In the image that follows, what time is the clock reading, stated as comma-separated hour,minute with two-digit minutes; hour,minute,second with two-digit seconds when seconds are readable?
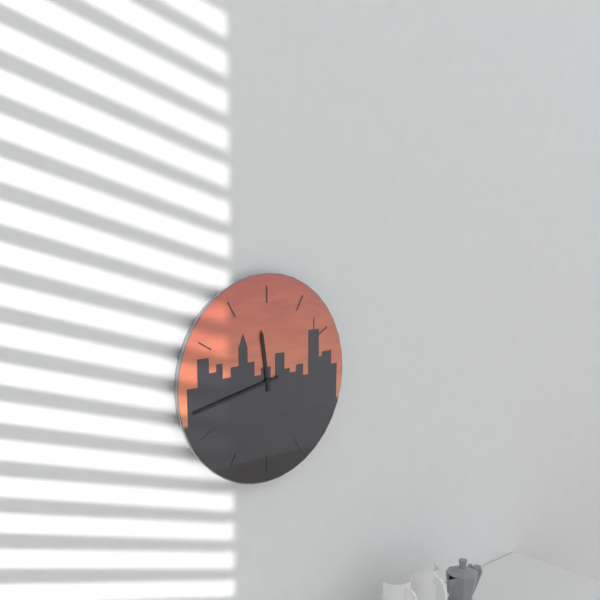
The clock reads 11,43
